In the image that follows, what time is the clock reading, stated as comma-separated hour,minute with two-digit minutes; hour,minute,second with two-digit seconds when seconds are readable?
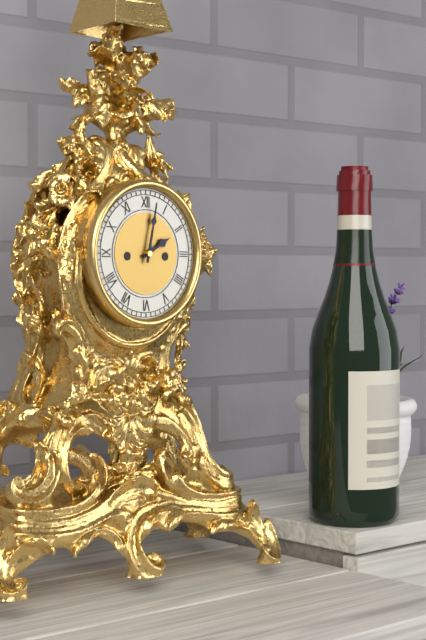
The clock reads 2,02
